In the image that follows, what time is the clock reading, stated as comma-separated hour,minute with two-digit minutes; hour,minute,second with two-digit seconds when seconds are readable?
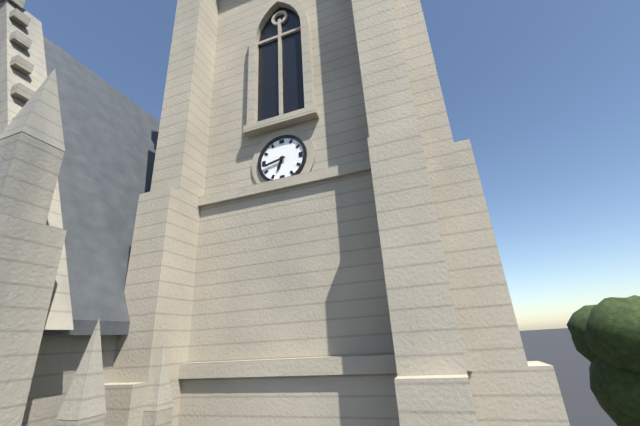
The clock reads 6,43
